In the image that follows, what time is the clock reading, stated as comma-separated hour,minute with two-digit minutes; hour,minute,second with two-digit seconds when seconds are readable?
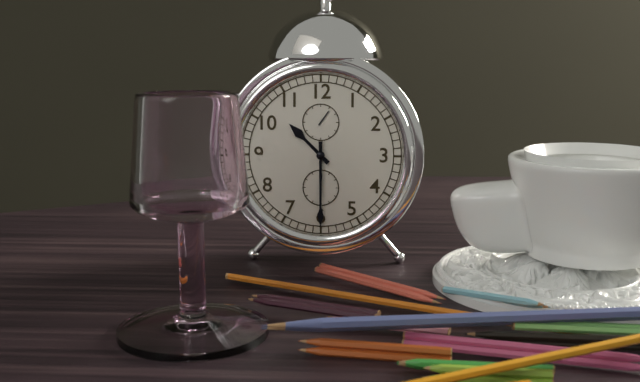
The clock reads 10,30
